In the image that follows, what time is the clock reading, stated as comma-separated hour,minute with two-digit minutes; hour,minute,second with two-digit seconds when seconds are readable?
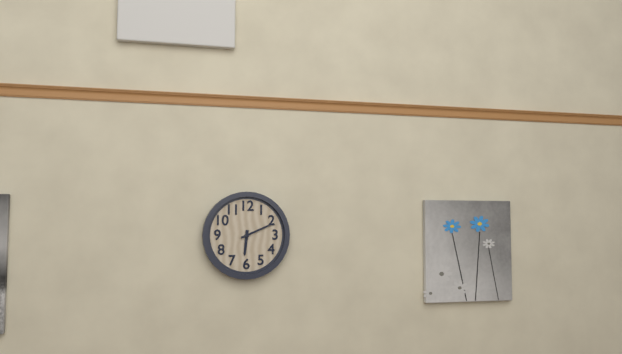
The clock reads 6,11
